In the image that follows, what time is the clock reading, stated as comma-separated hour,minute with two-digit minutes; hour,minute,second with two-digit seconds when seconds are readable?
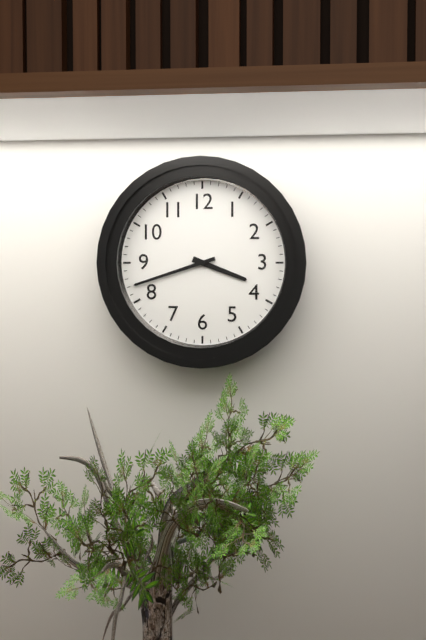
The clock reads 3,42
